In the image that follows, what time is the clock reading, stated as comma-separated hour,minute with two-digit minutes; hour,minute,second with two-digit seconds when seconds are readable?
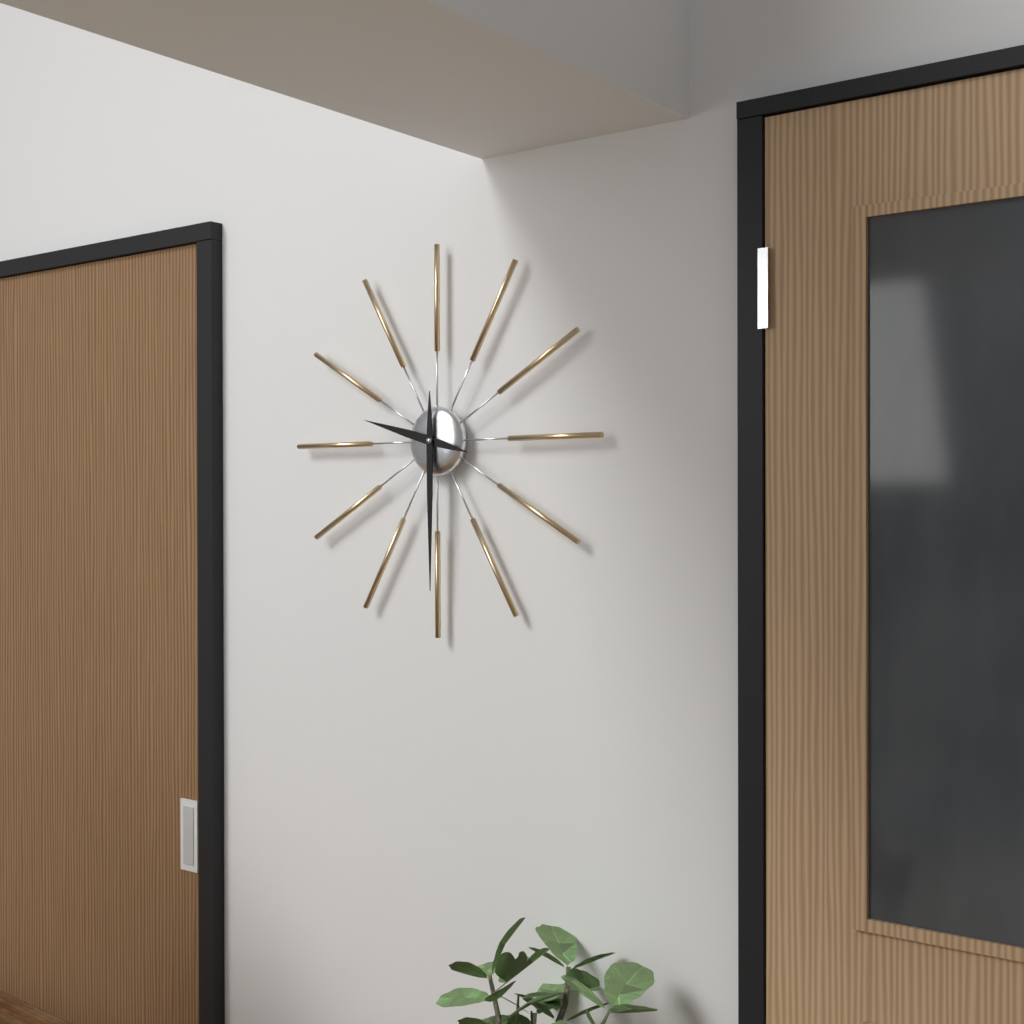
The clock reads 9,30
